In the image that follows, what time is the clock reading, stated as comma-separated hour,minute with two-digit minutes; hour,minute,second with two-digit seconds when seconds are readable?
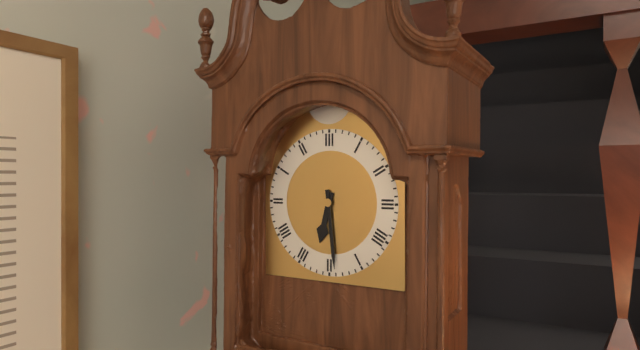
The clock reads 6,29
